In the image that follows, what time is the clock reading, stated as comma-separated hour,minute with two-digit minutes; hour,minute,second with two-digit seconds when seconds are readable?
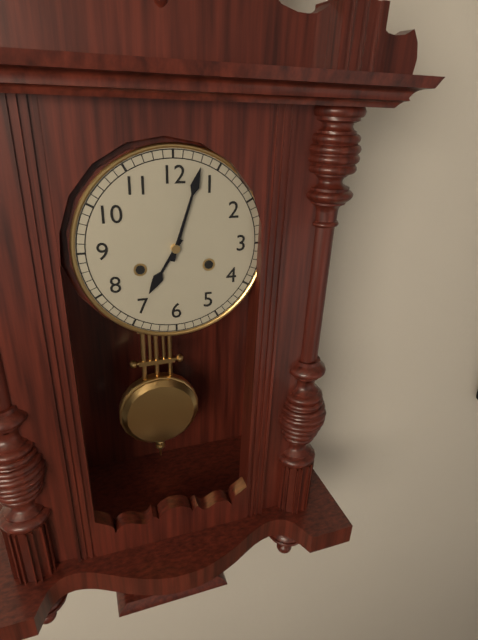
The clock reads 7,03
